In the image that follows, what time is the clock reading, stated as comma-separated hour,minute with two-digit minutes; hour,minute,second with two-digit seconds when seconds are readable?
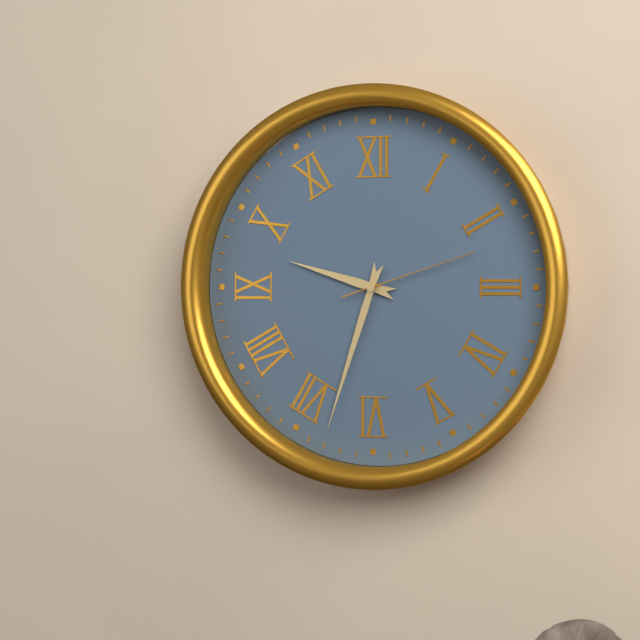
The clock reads 9,33,12
